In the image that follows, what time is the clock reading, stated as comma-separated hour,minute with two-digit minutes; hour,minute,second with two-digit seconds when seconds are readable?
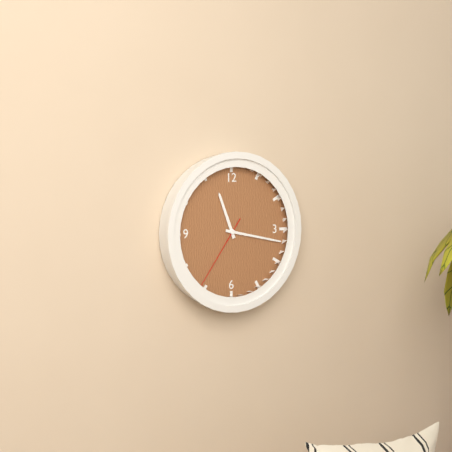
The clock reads 11,17,36
